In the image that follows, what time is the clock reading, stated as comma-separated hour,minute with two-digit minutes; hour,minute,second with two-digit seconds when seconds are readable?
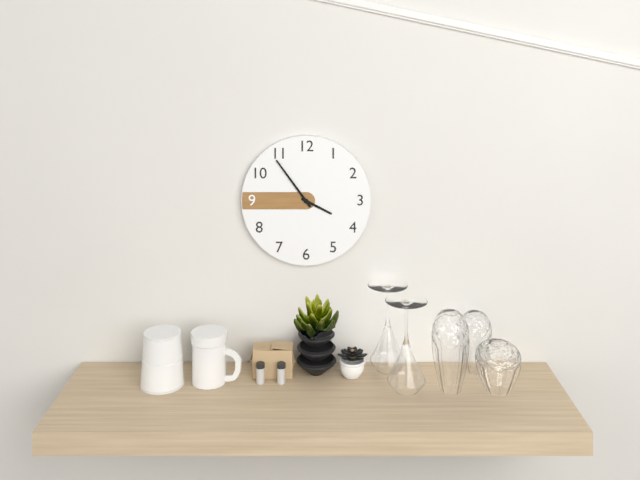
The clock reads 3,54
